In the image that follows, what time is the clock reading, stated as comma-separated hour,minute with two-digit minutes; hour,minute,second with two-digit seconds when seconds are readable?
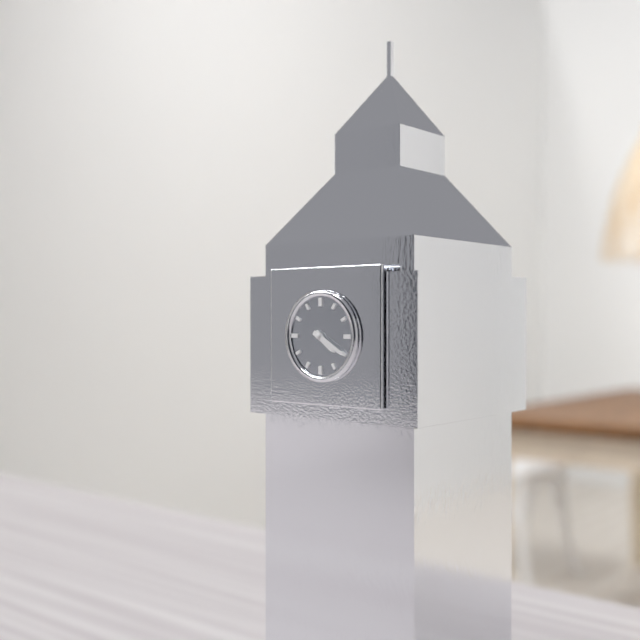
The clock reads 4,20
